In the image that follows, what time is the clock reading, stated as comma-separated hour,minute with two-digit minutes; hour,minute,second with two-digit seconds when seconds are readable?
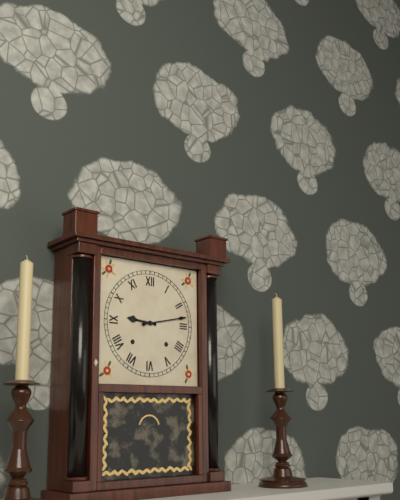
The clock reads 9,13
